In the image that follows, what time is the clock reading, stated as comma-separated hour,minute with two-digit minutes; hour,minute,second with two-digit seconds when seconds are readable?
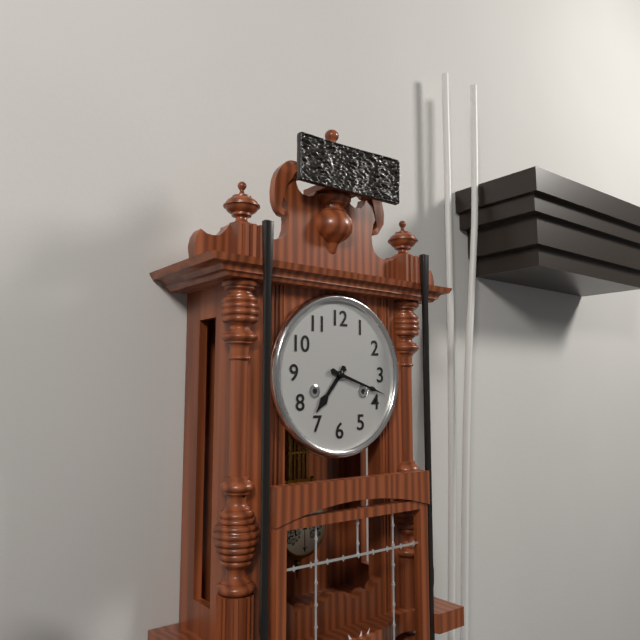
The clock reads 7,18
